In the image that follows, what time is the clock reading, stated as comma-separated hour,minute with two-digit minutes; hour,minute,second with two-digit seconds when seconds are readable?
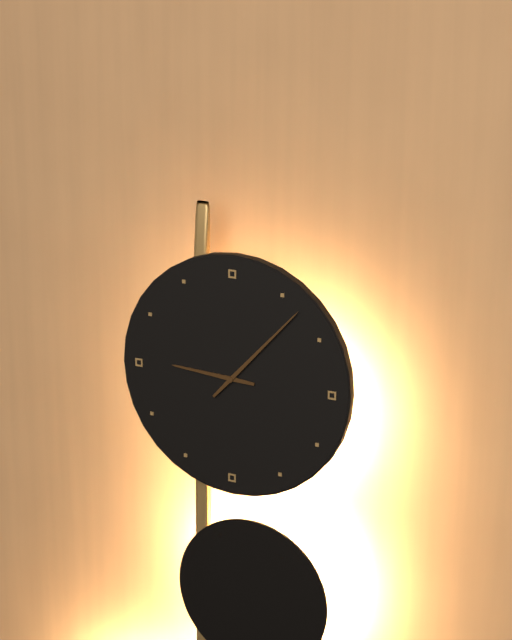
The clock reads 9,07
